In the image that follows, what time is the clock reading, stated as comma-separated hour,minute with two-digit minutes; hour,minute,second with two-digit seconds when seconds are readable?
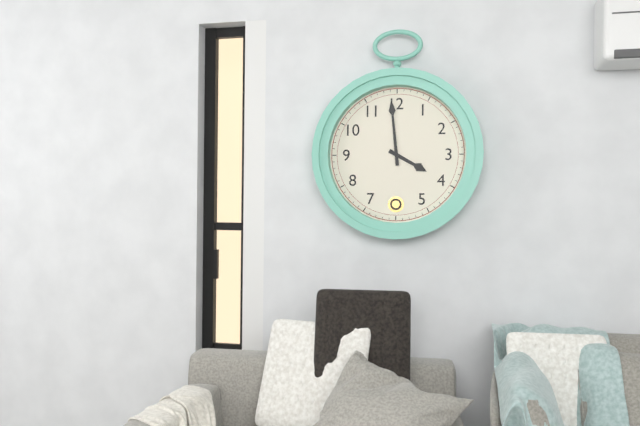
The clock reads 3,59
